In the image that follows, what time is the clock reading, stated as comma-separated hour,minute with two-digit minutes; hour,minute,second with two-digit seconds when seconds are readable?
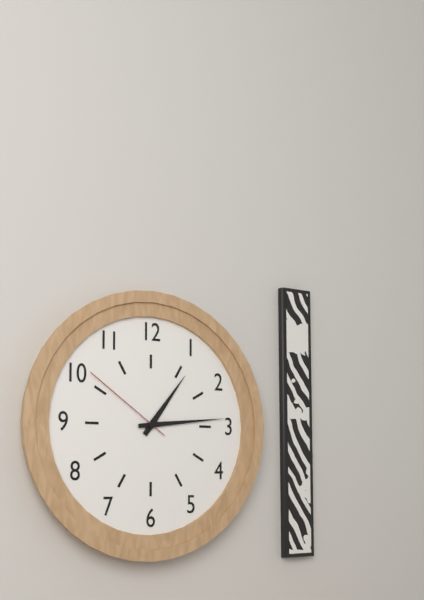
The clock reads 1,14,51
